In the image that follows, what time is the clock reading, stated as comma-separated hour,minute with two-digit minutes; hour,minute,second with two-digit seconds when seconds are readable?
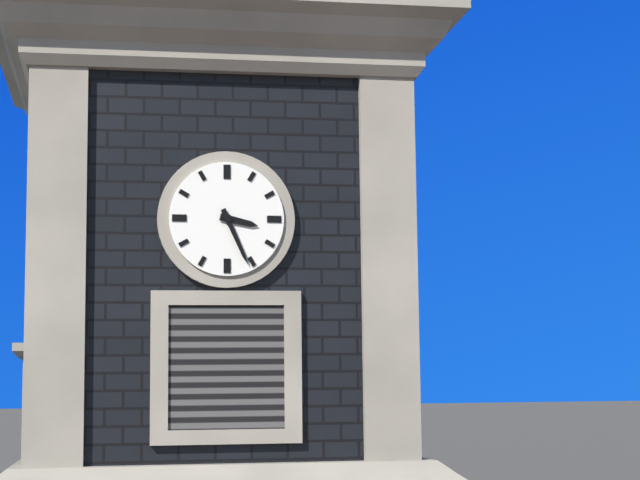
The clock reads 3,26
